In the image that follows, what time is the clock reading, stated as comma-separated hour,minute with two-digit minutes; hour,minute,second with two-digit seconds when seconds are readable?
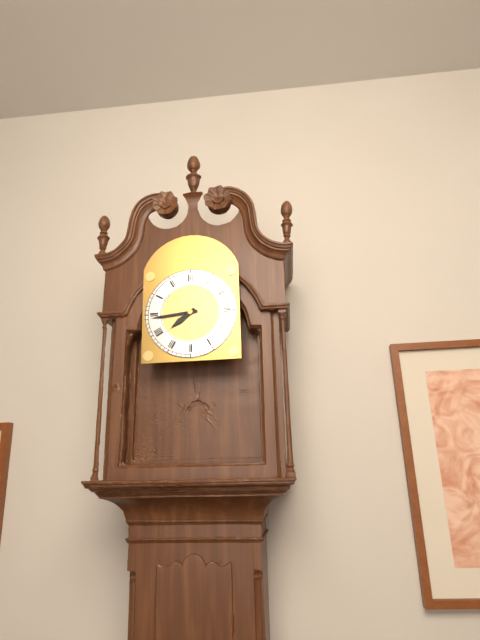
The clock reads 7,44
